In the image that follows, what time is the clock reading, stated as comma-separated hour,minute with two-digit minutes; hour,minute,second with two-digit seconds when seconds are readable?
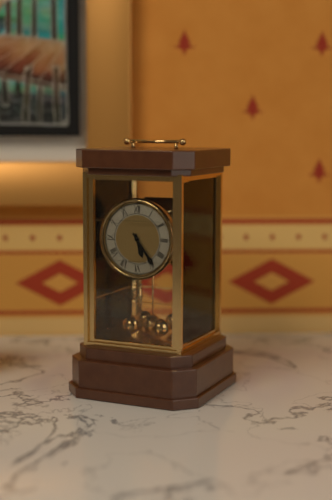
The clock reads 5,24
